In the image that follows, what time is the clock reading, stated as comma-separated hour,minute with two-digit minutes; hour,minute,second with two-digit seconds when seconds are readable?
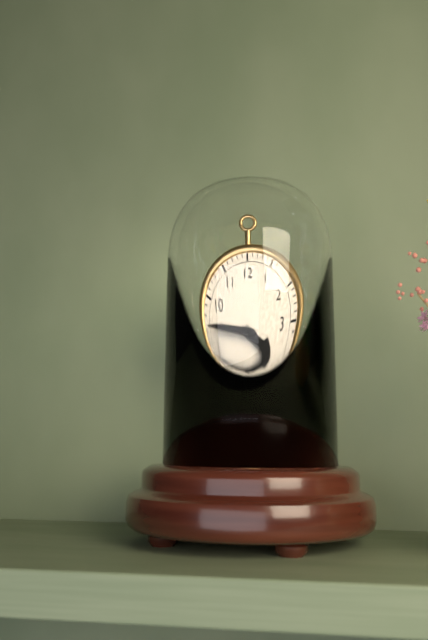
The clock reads 3,47
